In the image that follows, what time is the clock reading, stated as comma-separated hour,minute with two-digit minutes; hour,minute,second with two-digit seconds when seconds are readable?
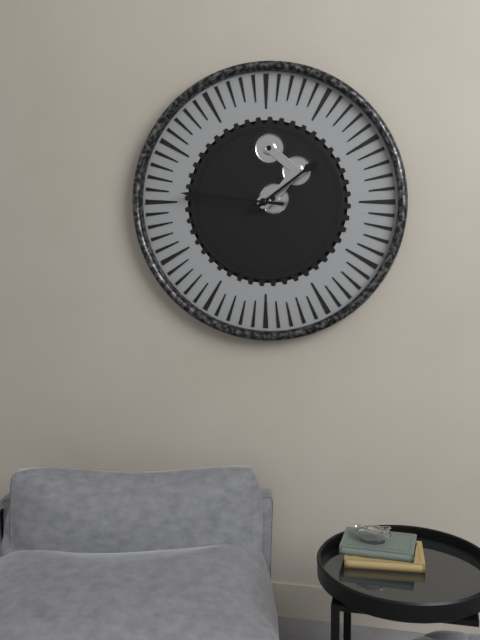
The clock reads 1,46
